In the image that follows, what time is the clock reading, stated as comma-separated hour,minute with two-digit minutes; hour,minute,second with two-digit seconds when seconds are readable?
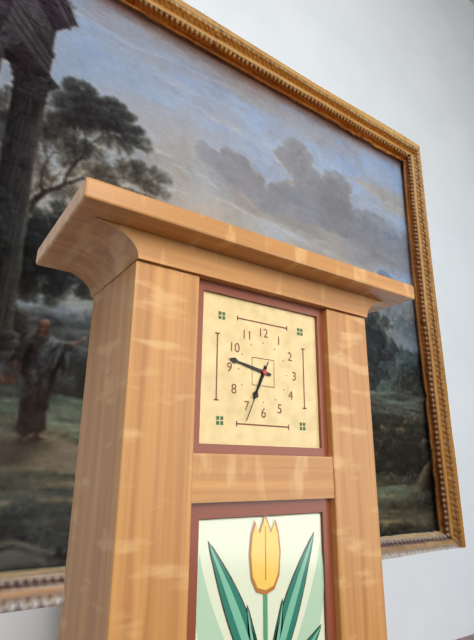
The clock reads 6,47,34
